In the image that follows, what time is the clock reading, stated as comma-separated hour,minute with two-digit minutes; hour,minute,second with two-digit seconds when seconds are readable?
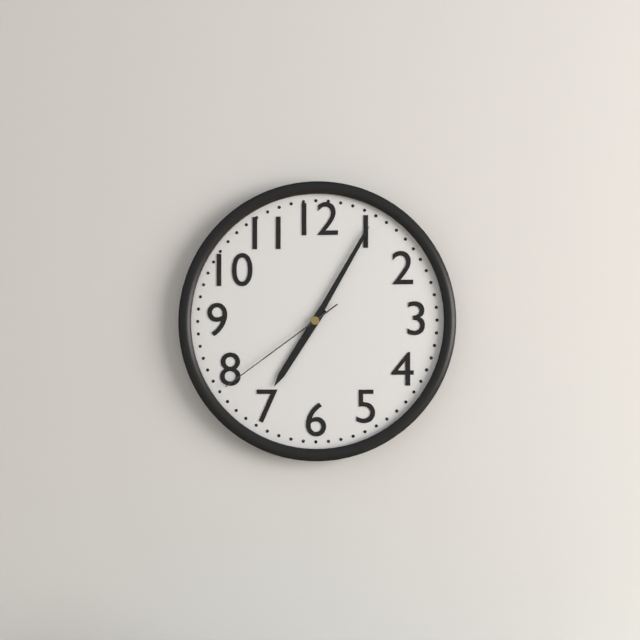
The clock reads 7,05,39
